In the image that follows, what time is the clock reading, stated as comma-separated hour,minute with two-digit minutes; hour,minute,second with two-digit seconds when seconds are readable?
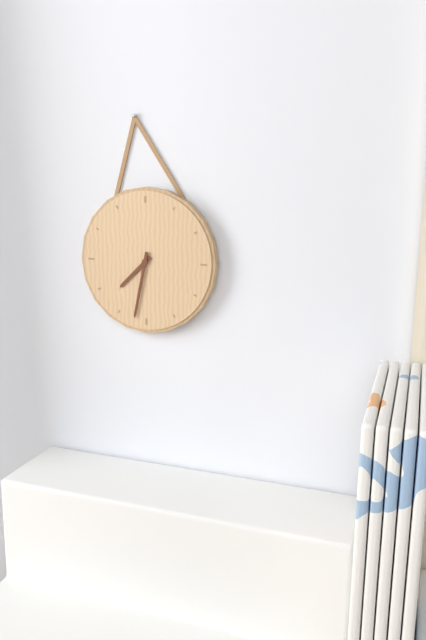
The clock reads 7,32
